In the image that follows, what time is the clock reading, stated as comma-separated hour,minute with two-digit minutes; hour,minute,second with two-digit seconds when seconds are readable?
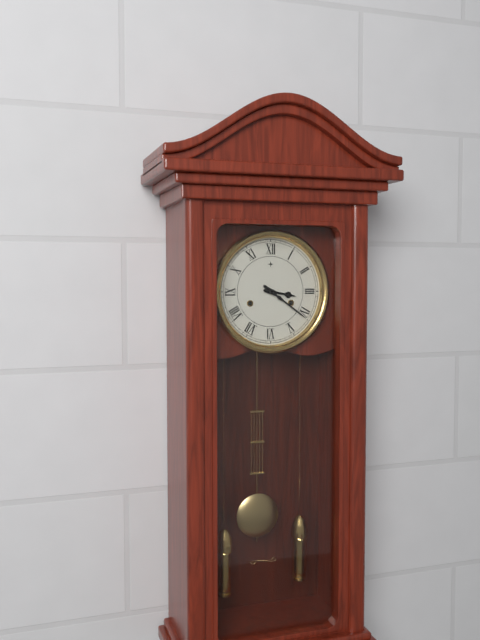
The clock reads 3,21
